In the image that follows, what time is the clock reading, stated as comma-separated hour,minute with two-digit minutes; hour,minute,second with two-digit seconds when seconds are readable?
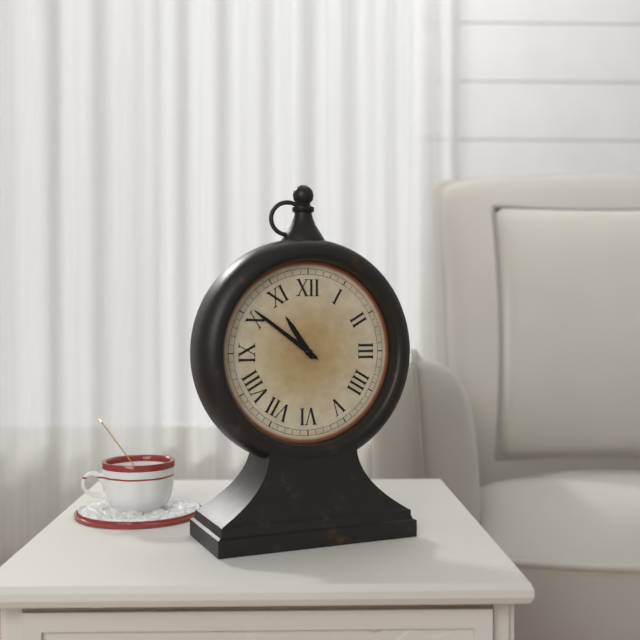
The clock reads 10,51
